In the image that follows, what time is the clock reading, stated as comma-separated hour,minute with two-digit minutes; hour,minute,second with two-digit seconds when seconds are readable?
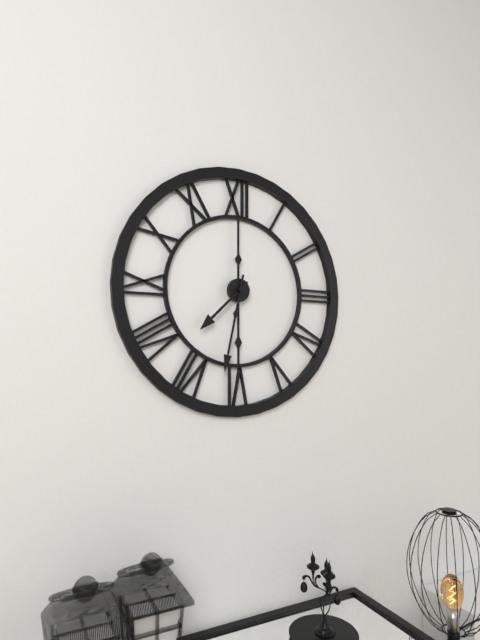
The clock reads 7,32
